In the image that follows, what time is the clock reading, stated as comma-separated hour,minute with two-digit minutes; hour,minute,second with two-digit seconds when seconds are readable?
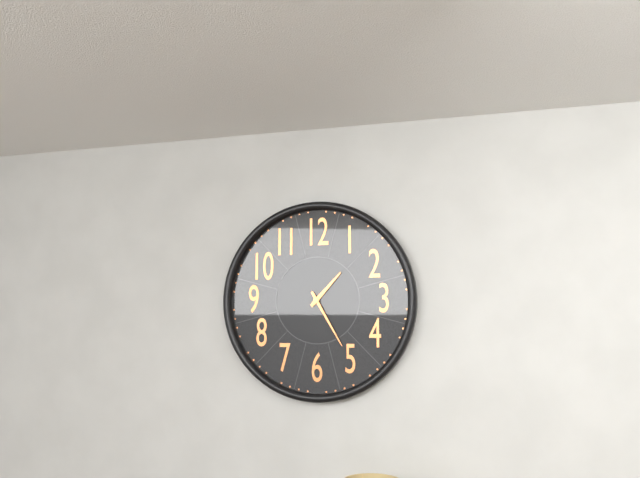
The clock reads 1,25
